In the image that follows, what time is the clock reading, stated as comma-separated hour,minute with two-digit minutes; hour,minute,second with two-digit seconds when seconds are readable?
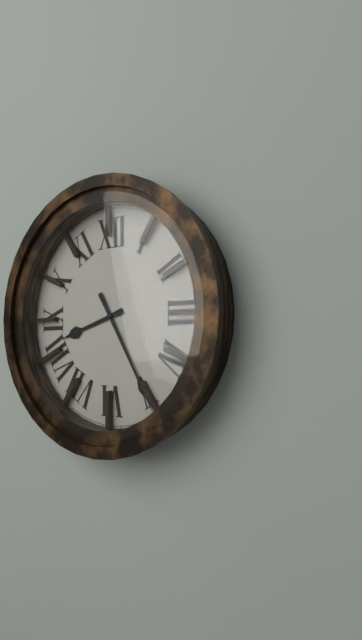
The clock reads 8,25
